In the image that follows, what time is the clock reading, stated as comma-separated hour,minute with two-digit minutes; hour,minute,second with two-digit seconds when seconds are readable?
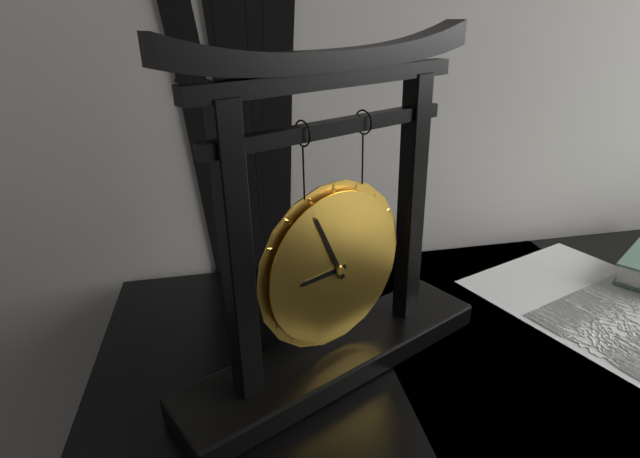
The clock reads 8,56
